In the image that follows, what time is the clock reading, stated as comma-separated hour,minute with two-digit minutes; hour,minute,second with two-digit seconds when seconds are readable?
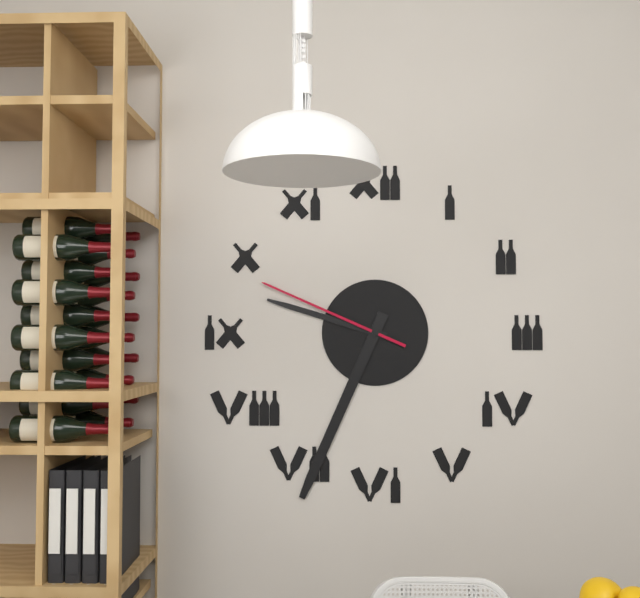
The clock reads 9,34,49
